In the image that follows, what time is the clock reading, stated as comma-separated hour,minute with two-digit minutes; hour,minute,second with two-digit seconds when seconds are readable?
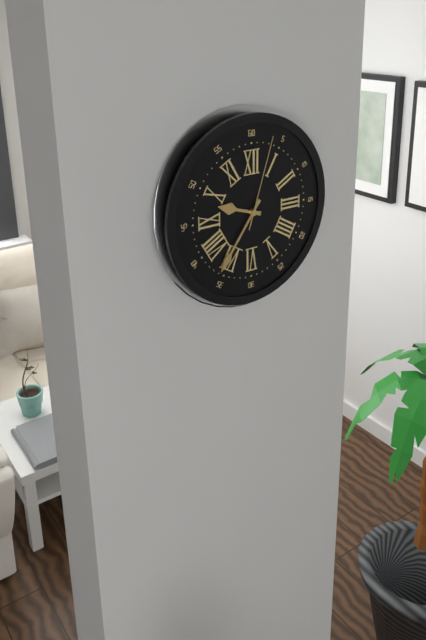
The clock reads 9,36,03
